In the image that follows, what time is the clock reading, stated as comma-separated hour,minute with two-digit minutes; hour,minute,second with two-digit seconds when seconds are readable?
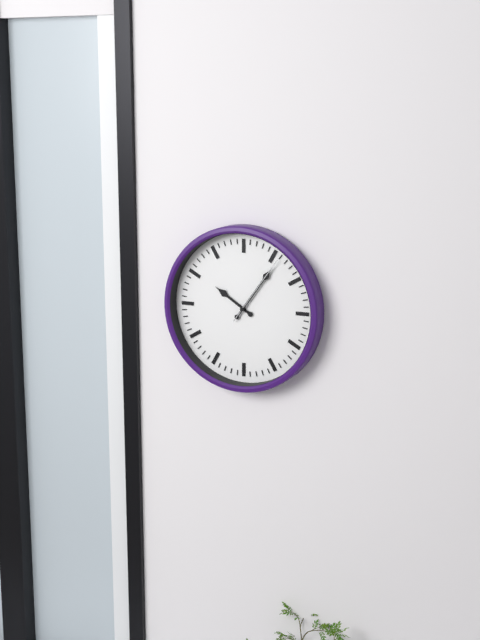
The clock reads 10,06,06
